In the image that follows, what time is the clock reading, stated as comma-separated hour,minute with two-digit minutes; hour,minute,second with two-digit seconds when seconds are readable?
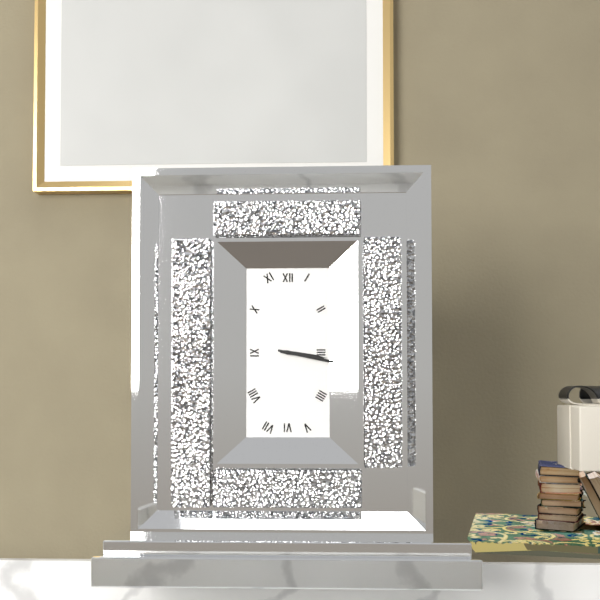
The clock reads 3,17
